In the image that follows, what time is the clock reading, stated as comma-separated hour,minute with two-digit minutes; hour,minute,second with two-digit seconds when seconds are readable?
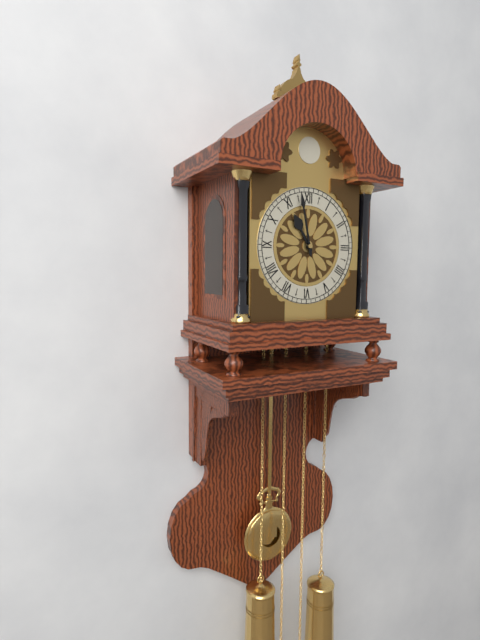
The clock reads 10,58
